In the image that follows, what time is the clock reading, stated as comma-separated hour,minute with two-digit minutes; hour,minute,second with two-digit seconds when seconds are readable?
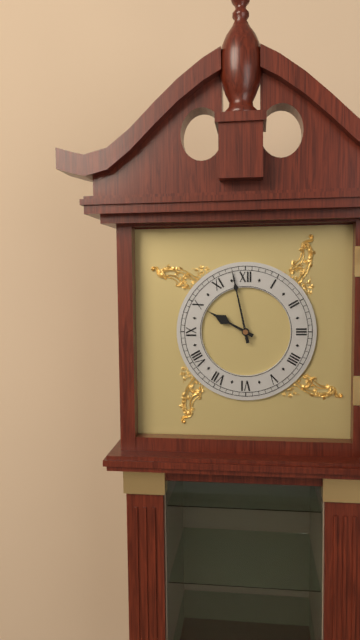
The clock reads 9,58
